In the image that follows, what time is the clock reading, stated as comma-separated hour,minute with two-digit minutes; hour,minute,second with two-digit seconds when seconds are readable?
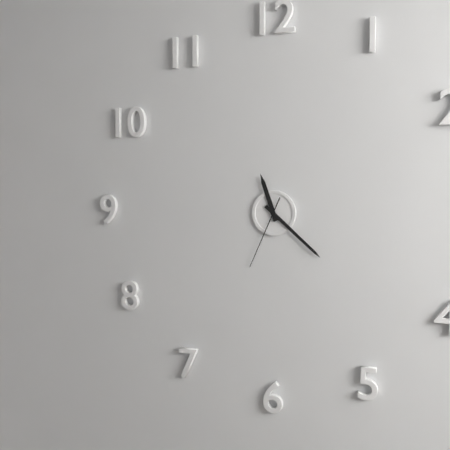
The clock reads 11,22,34
